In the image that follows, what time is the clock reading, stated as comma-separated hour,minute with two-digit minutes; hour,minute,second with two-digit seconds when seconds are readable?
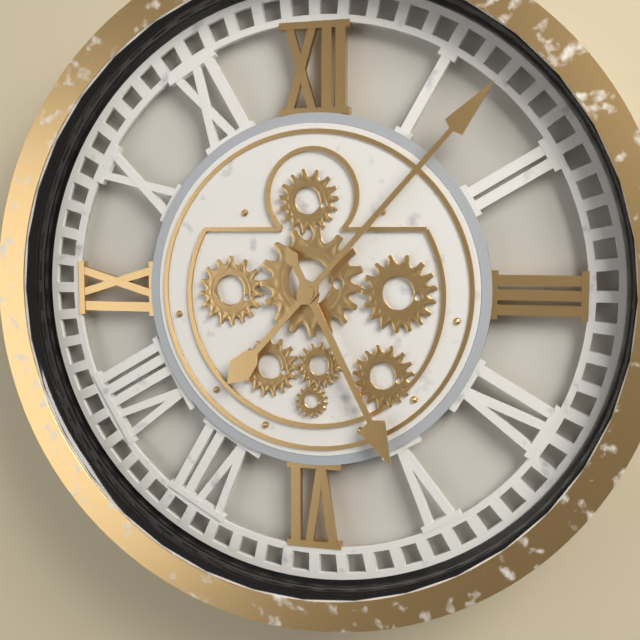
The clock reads 5,07
